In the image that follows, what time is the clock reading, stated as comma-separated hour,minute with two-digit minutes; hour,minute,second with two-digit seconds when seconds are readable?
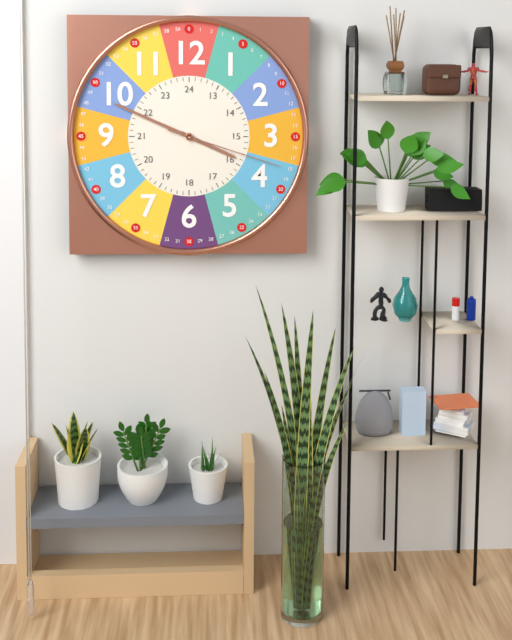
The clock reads 3,49,18
